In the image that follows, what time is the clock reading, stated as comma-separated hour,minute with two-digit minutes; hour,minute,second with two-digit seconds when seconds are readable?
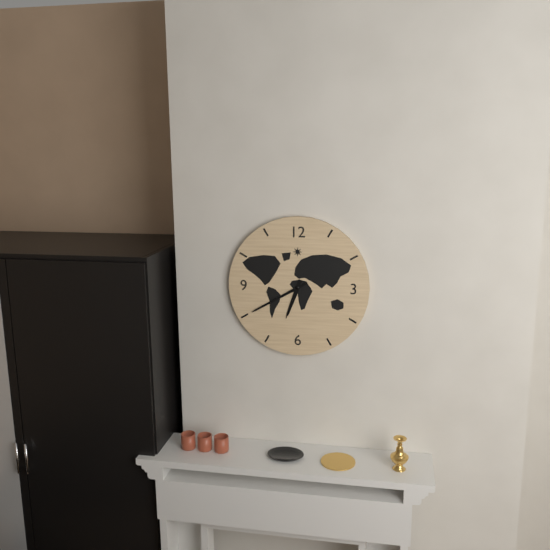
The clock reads 6,40
